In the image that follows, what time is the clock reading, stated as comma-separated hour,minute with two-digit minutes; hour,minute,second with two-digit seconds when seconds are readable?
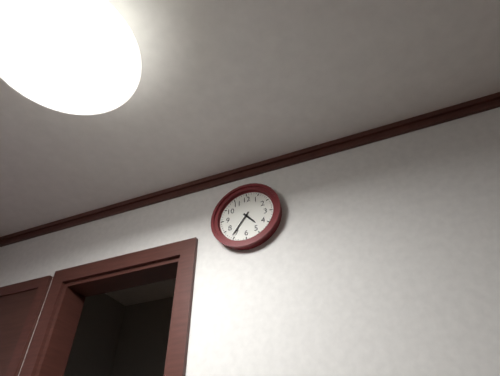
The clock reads 4,36
